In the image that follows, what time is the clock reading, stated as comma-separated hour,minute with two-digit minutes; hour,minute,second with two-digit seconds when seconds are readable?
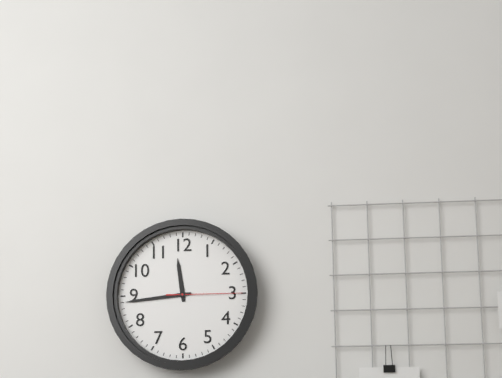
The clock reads 11,44,15
